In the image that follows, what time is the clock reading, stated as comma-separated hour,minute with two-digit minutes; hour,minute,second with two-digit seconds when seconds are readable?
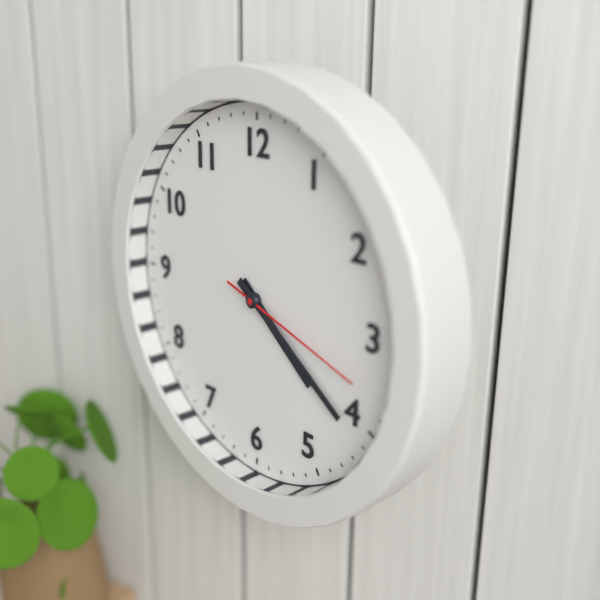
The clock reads 4,21,18
